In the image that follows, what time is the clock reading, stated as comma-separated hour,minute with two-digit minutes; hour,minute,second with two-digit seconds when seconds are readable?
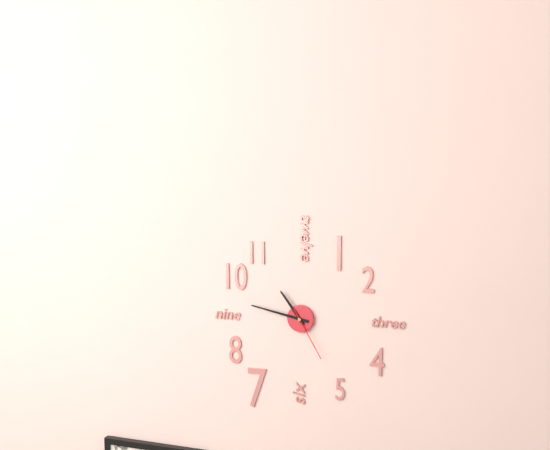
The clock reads 10,47,25
